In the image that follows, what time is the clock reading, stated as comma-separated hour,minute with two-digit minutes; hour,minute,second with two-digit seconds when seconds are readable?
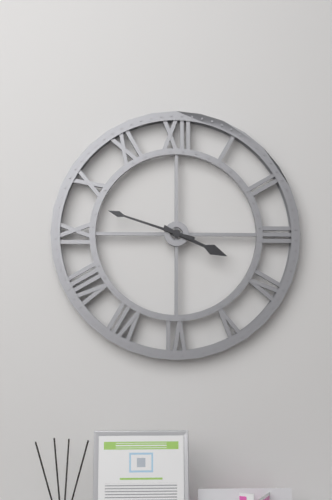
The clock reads 3,48
